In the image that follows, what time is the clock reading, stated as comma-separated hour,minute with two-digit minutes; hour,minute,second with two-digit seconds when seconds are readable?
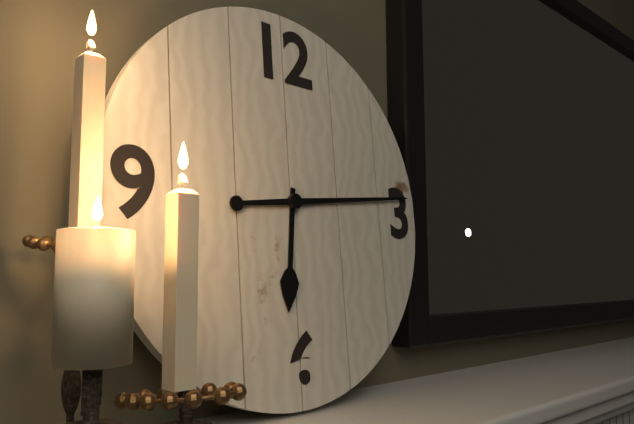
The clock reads 6,14
